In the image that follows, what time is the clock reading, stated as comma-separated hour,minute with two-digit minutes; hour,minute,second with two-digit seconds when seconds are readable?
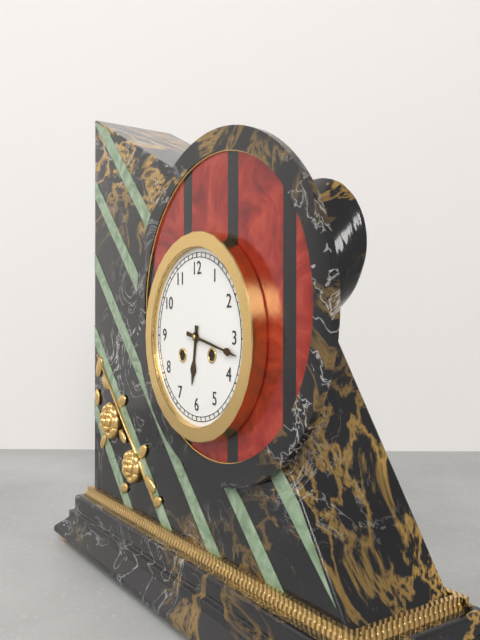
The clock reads 6,17
